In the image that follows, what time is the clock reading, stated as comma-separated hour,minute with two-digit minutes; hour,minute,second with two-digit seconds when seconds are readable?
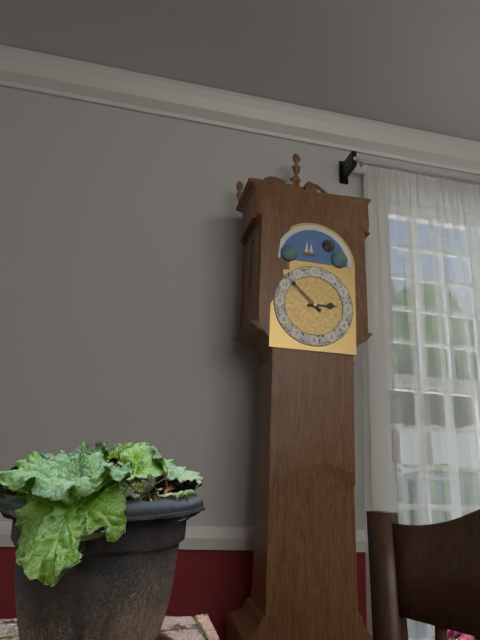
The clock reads 2,52
